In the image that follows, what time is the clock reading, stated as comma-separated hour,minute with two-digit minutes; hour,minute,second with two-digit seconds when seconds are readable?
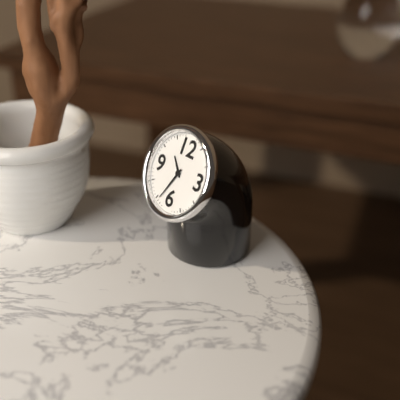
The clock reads 10,34
